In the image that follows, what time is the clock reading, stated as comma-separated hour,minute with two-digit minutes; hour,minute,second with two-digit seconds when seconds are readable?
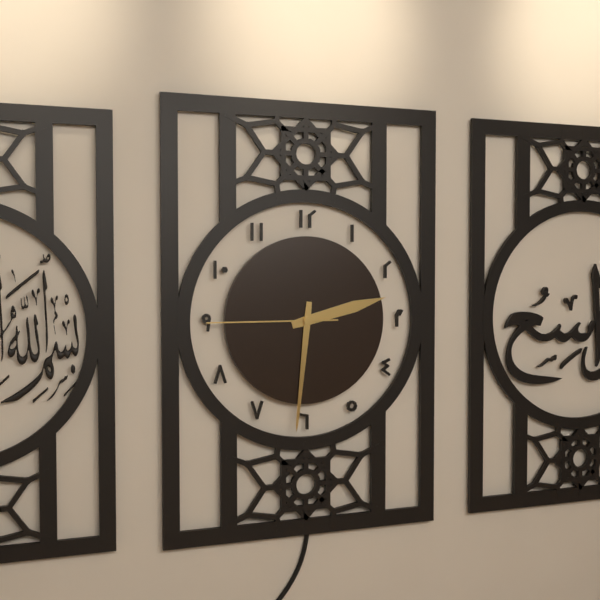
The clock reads 2,31,45
